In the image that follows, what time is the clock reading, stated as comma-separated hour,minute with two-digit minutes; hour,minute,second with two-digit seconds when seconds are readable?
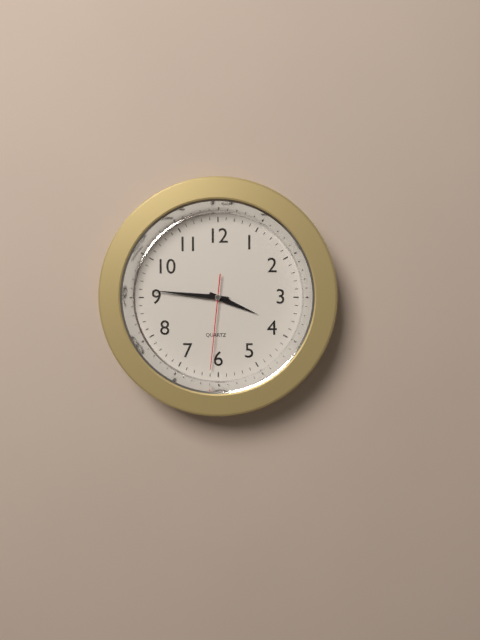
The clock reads 3,46,31
